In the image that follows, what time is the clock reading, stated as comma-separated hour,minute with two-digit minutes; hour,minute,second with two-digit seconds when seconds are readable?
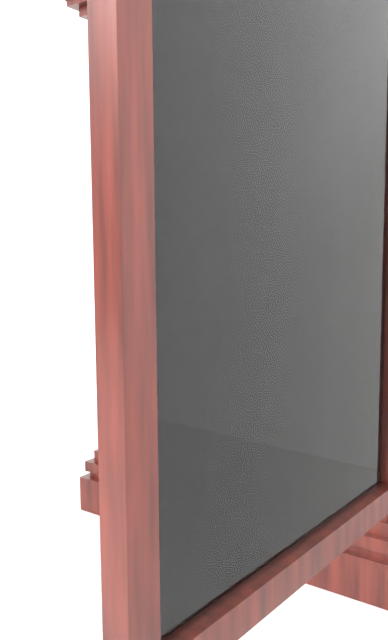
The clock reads 8,47
